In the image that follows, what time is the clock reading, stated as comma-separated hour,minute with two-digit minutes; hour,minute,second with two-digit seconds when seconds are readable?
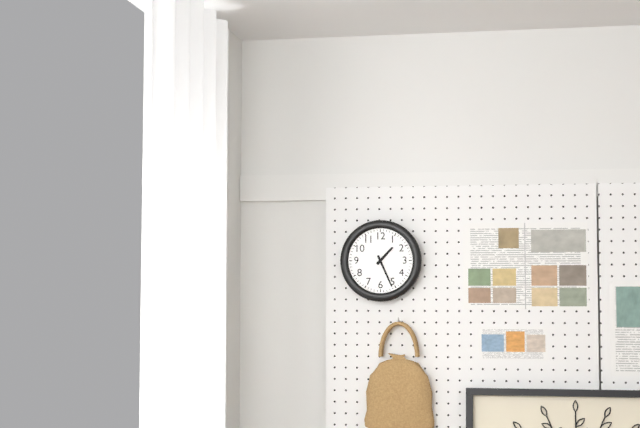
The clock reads 1,26
